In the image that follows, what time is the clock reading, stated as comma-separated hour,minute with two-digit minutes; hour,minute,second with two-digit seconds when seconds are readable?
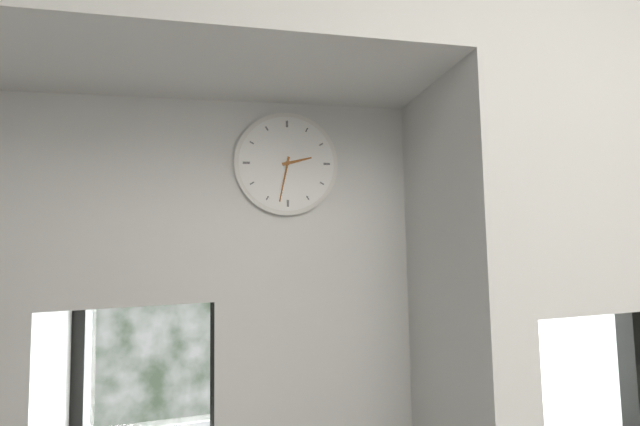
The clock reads 2,32
